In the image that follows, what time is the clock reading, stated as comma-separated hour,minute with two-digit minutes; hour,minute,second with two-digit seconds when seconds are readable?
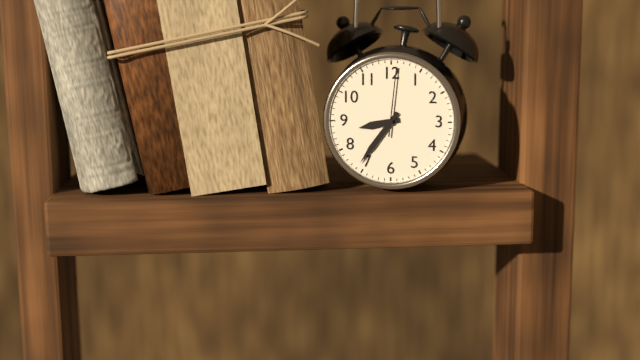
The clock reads 8,36,01
